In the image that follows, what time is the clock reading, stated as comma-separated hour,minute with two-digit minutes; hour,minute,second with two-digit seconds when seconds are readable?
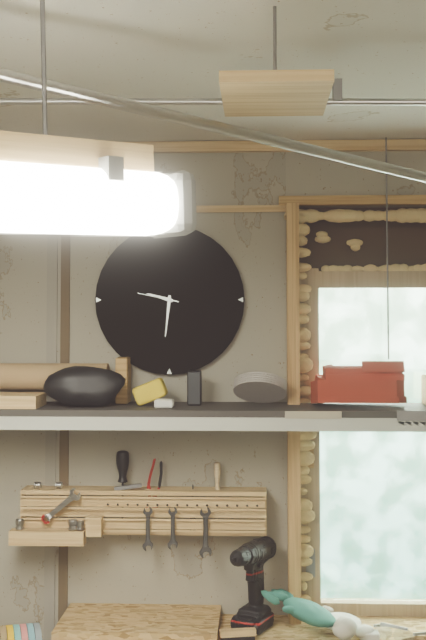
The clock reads 9,31
